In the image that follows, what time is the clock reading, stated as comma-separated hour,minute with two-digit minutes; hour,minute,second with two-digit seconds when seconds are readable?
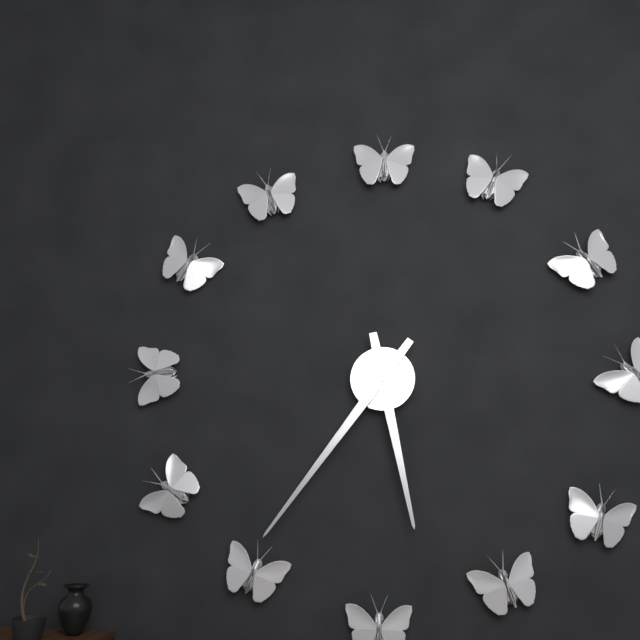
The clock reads 5,36
